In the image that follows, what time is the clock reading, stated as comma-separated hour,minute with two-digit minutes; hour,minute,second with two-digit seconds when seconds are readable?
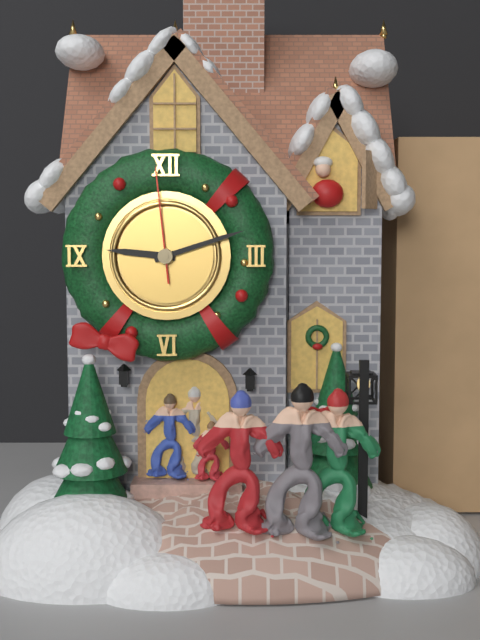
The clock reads 9,12,59
